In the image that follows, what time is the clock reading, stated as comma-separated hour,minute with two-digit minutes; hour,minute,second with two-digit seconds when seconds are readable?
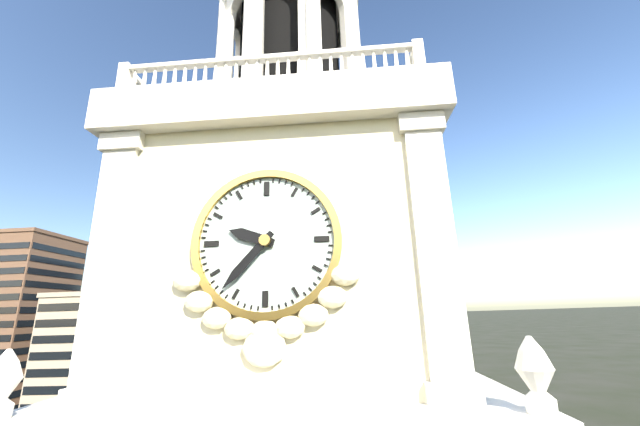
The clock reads 9,37
